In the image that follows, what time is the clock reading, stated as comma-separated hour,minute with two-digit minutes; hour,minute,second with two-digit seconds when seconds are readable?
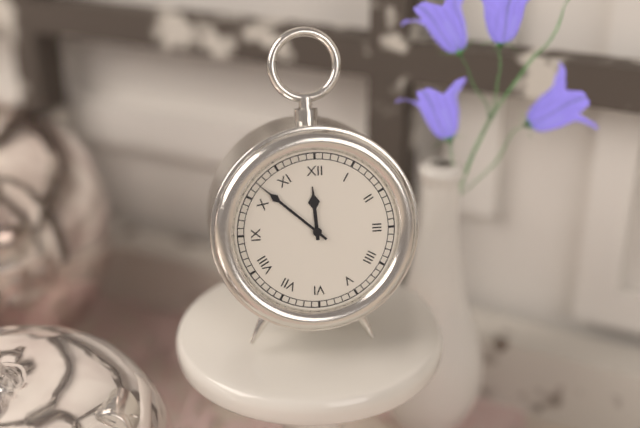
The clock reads 11,52
